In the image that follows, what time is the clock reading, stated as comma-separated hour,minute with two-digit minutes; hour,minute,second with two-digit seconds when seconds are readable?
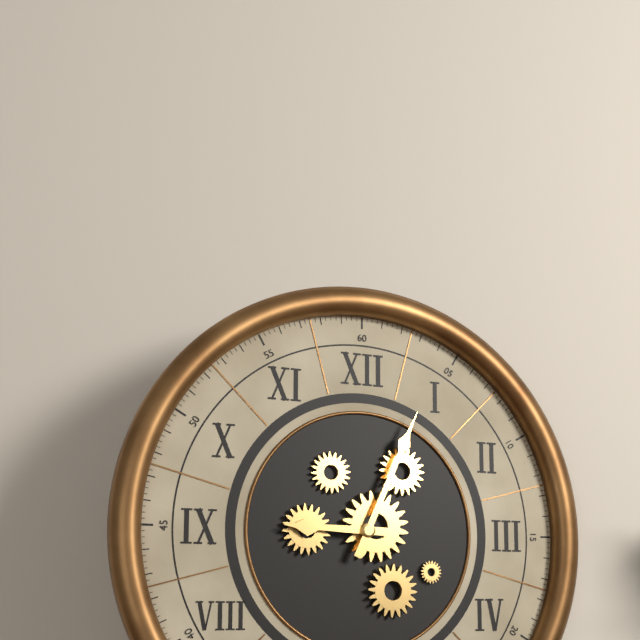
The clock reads 9,04
